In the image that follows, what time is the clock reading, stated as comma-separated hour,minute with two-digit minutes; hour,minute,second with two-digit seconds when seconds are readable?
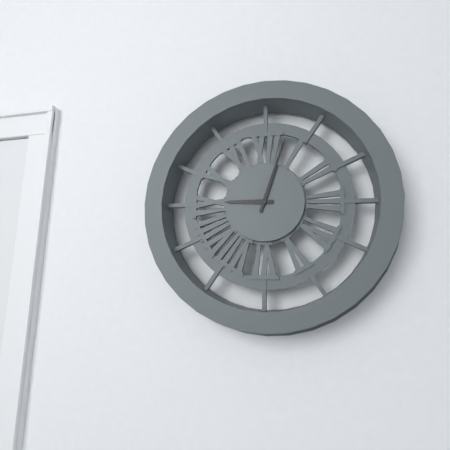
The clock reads 9,03
